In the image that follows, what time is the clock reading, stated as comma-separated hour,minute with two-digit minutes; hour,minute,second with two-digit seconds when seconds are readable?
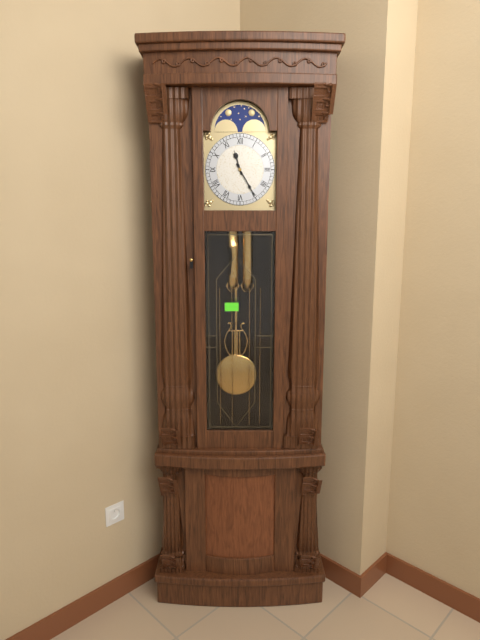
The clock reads 11,25
